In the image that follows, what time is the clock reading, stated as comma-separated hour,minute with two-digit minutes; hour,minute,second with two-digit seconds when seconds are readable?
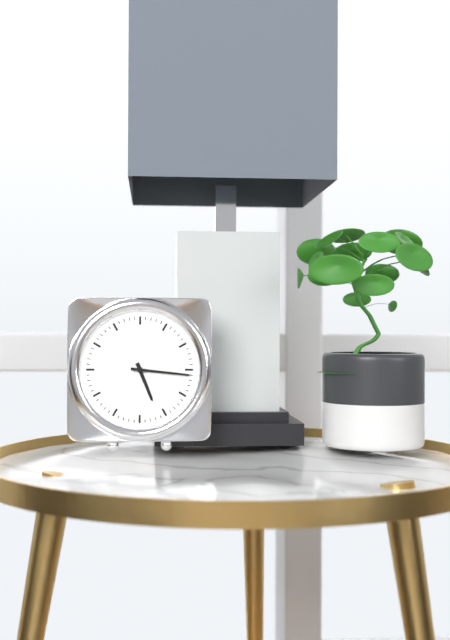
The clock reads 5,16
